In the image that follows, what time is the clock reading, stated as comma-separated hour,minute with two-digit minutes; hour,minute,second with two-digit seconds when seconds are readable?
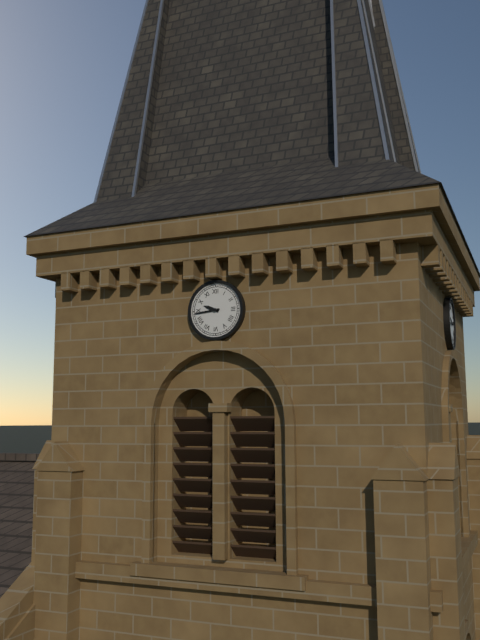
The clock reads 9,44
